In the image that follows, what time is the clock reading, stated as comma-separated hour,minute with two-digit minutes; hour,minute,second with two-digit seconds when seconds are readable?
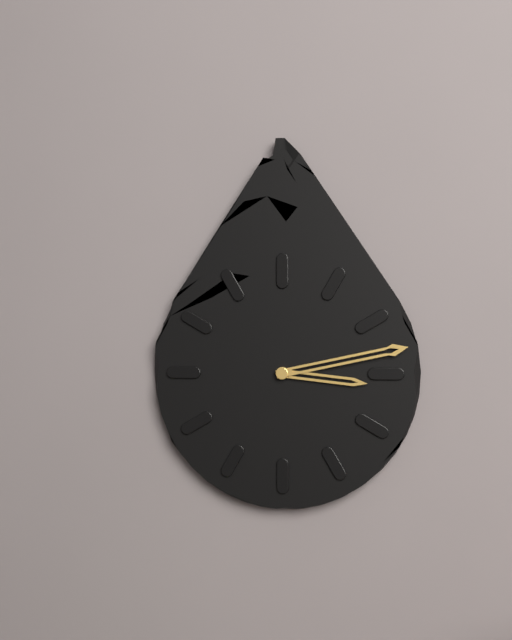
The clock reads 3,13
